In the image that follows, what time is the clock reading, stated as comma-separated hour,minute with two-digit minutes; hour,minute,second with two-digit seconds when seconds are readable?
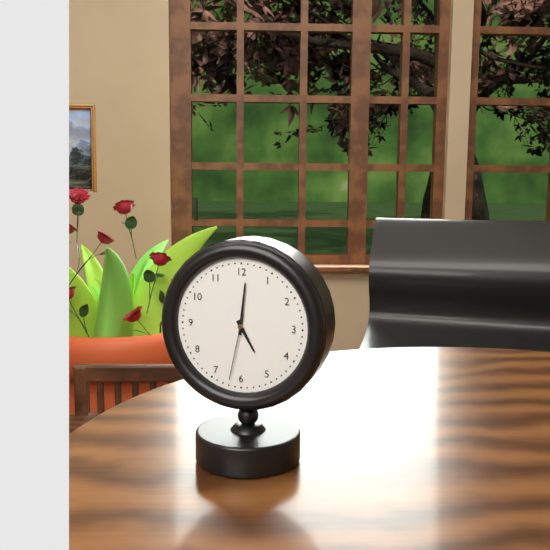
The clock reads 5,01,32
